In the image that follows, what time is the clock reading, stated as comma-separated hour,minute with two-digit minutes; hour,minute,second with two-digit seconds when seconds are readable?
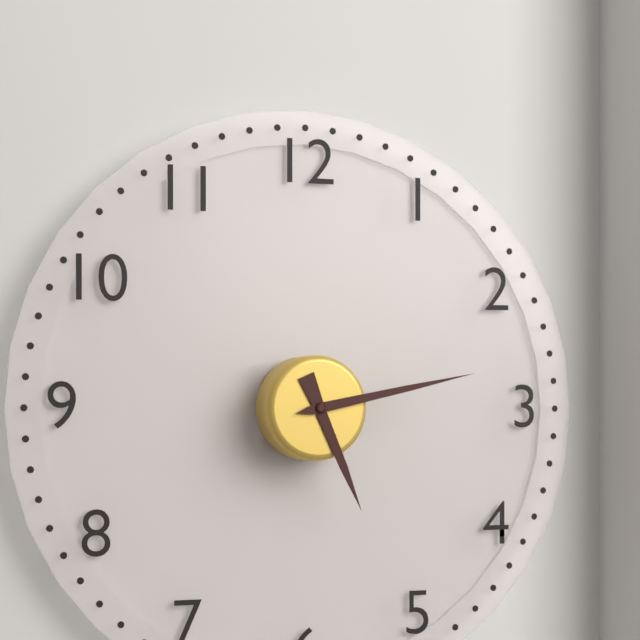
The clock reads 5,13
